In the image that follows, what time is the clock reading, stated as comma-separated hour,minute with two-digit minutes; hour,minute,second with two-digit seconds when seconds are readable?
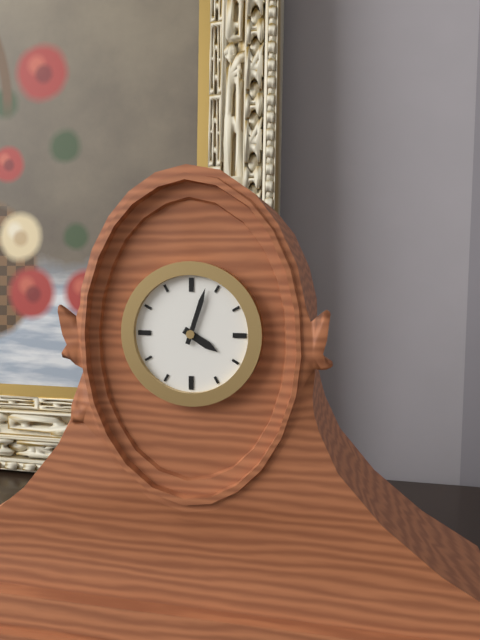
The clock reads 4,03
